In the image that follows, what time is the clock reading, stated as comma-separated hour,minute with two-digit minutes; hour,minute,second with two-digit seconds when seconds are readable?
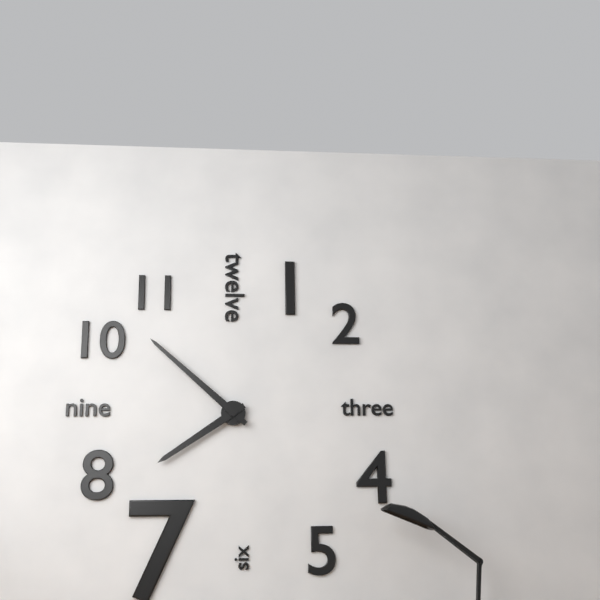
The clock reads 7,52
